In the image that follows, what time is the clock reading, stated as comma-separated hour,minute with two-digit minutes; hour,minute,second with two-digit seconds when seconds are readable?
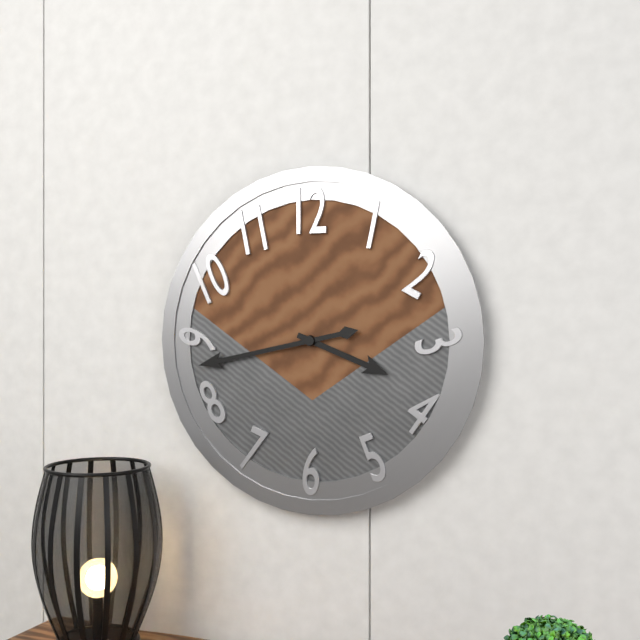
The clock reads 3,43
